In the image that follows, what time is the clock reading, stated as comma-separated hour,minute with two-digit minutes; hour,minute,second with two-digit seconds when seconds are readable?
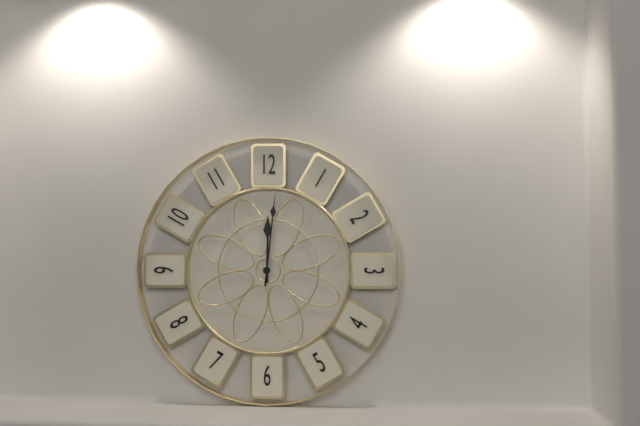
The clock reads 12,01
